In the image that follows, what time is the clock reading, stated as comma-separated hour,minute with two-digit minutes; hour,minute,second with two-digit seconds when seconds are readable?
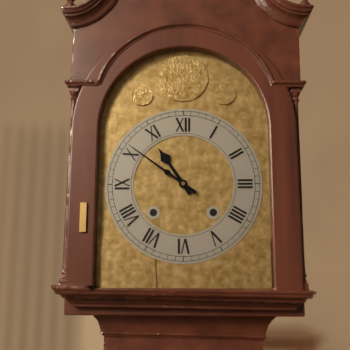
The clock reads 10,51
